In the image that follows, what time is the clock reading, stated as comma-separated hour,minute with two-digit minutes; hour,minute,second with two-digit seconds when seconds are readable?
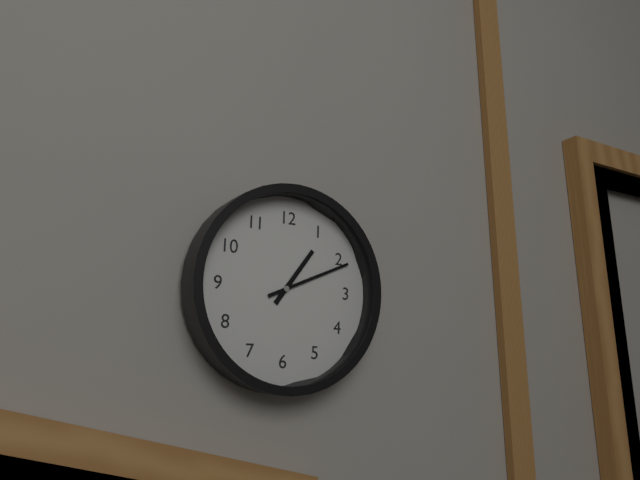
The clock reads 1,11
